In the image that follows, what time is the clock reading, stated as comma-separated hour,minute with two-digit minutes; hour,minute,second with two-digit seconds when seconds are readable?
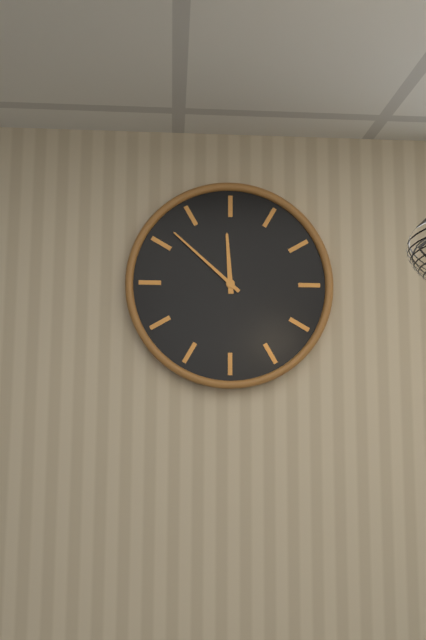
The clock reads 11,52
